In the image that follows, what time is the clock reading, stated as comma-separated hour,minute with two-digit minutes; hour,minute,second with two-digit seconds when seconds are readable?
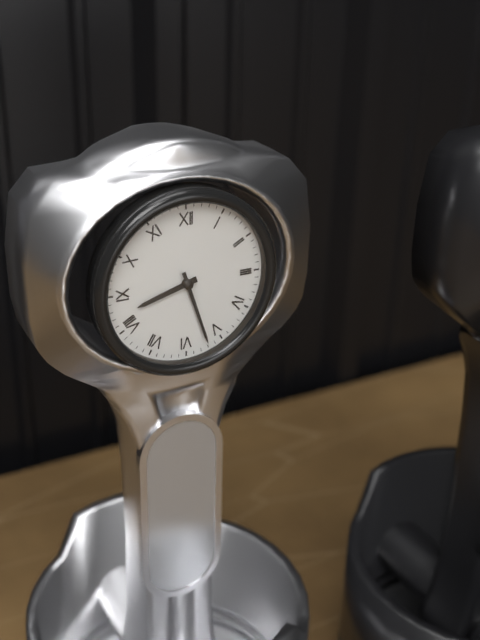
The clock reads 8,27
